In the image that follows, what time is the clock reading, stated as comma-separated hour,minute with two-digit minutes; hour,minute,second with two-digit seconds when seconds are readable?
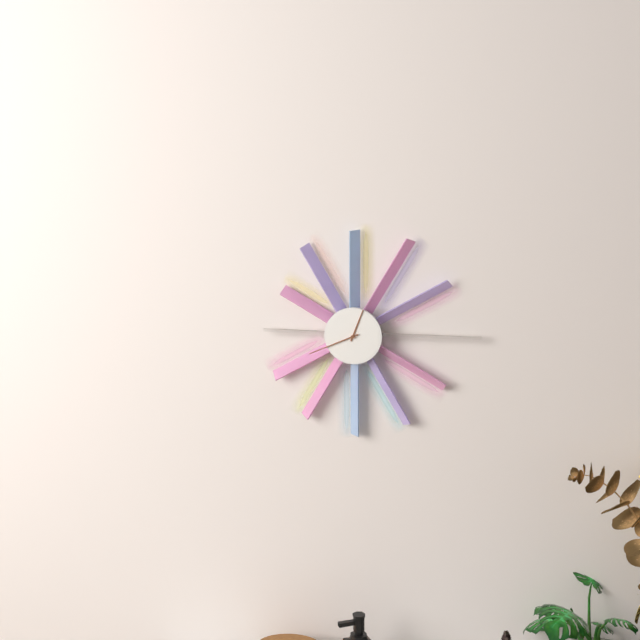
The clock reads 12,41
